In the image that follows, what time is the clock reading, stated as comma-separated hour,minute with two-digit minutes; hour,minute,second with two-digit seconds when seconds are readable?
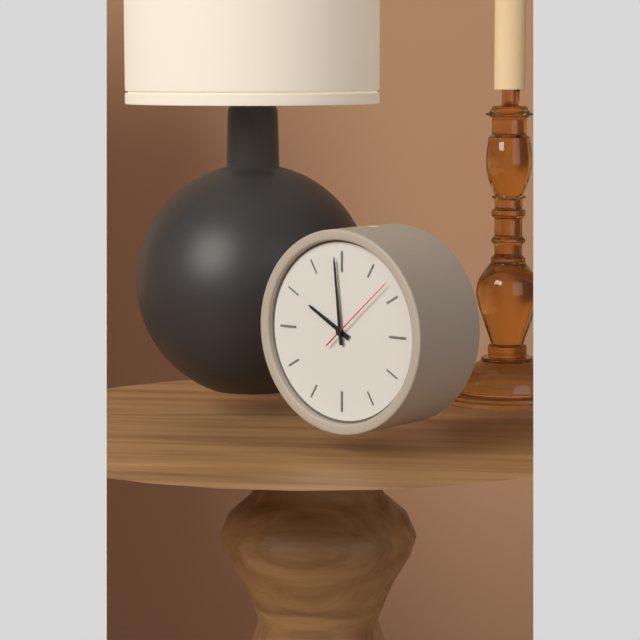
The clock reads 9,59,08
